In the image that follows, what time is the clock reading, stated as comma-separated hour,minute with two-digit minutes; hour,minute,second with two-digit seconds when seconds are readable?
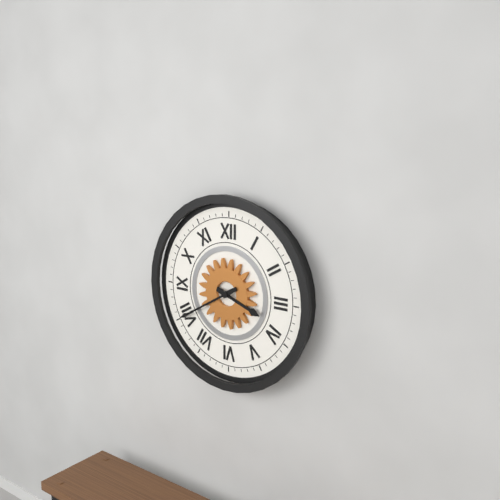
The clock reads 3,40
